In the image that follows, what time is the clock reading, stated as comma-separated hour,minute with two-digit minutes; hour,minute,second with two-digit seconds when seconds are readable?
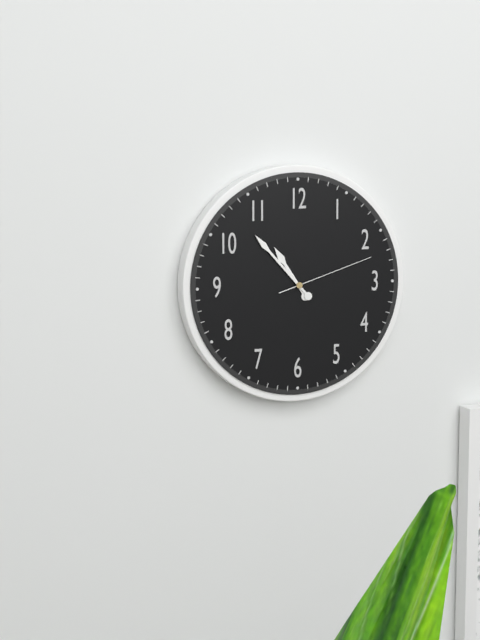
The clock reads 10,53,12
